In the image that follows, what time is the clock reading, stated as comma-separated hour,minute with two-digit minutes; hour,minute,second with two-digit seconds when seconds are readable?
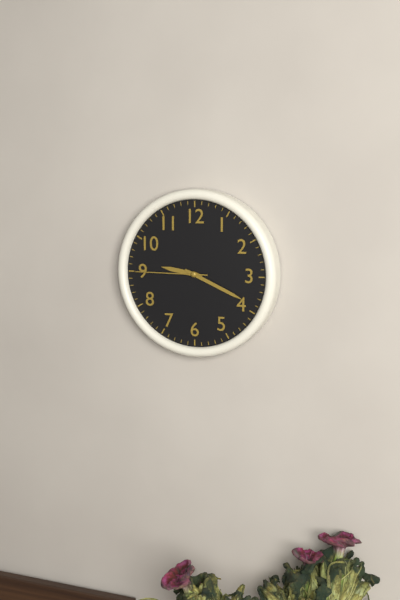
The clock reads 9,19,45
